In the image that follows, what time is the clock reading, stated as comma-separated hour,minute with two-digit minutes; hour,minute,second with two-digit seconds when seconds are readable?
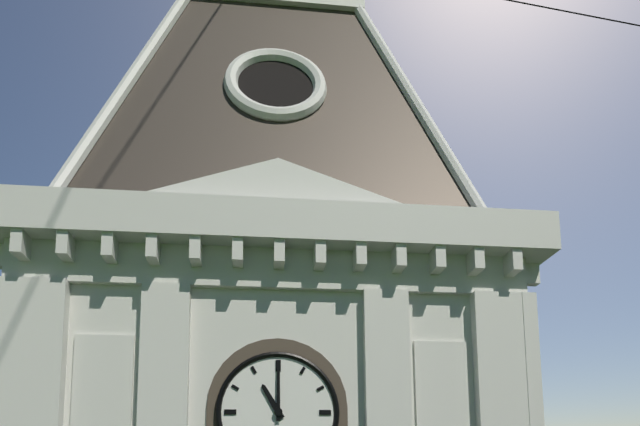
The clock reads 11,00
